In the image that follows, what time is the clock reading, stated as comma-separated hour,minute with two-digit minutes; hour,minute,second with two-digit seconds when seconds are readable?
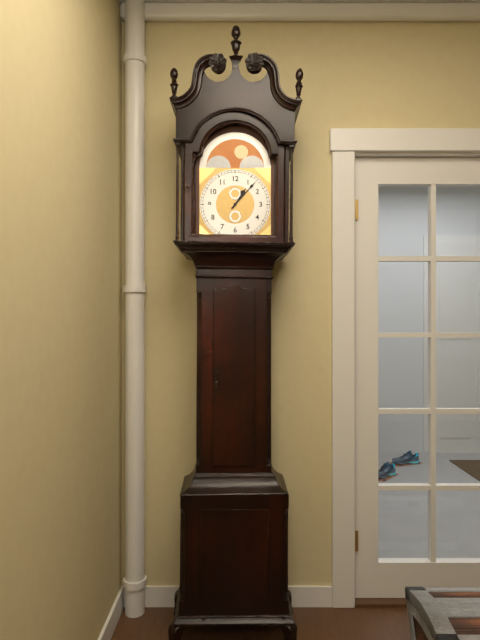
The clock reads 1,07
